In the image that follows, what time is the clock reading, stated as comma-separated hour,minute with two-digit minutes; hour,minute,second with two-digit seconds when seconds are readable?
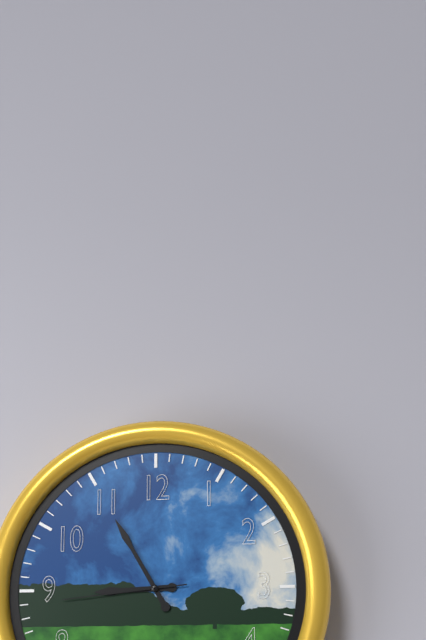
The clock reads 8,55,44
